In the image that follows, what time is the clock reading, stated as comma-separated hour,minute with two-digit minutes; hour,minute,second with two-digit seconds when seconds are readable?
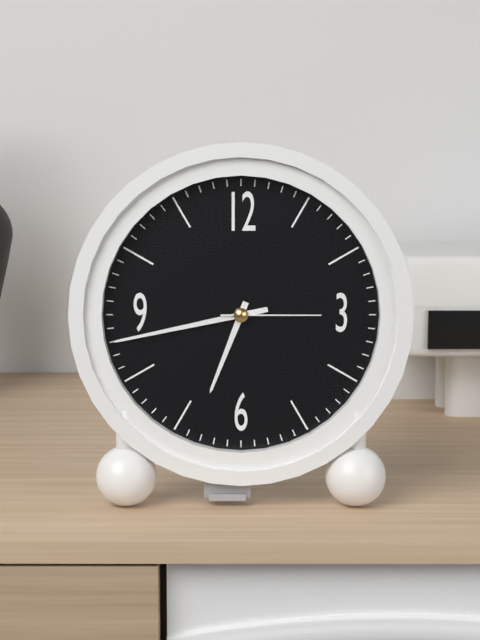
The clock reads 6,43,15
